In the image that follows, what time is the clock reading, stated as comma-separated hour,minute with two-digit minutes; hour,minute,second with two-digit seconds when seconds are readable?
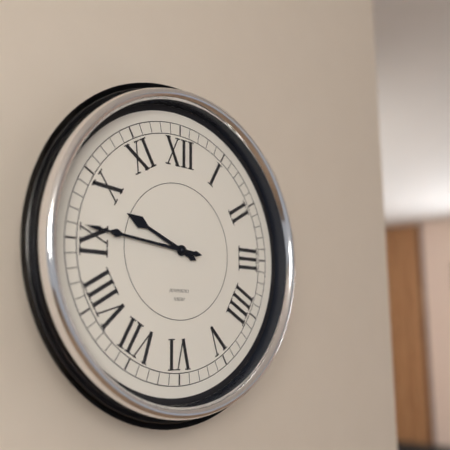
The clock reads 9,46
